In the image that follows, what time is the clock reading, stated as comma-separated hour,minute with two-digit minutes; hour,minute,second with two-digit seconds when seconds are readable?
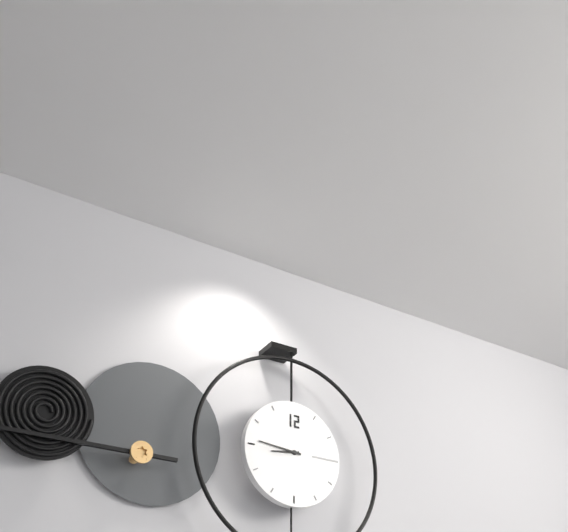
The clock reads 8,46
